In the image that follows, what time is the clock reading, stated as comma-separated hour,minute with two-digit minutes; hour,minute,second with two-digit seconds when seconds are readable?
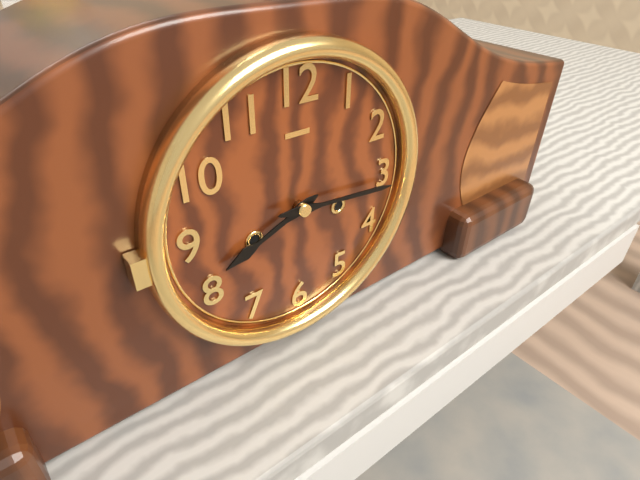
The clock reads 8,16
